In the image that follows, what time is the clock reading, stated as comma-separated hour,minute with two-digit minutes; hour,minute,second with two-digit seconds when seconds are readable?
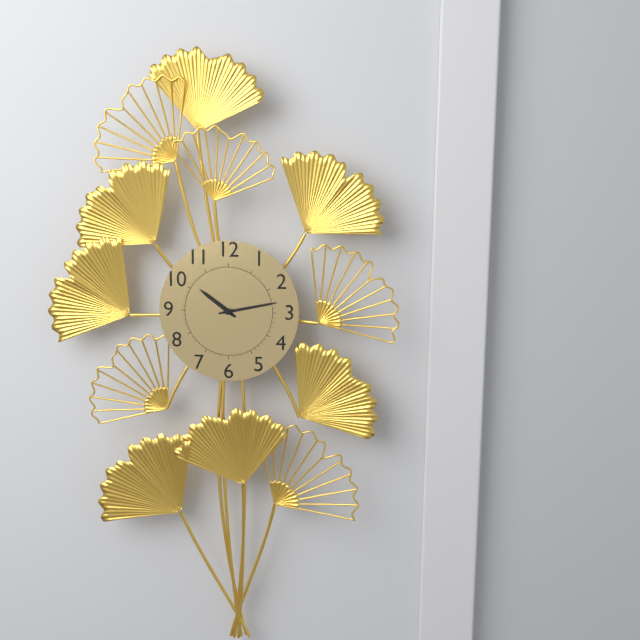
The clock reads 10,13
